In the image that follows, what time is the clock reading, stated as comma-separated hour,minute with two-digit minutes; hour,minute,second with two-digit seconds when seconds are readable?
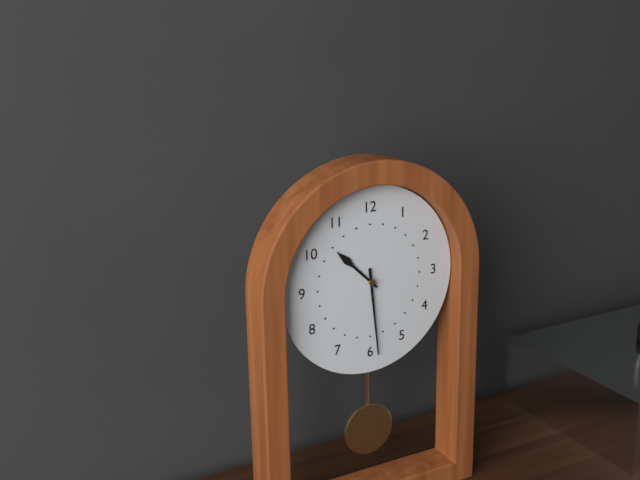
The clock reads 10,29
